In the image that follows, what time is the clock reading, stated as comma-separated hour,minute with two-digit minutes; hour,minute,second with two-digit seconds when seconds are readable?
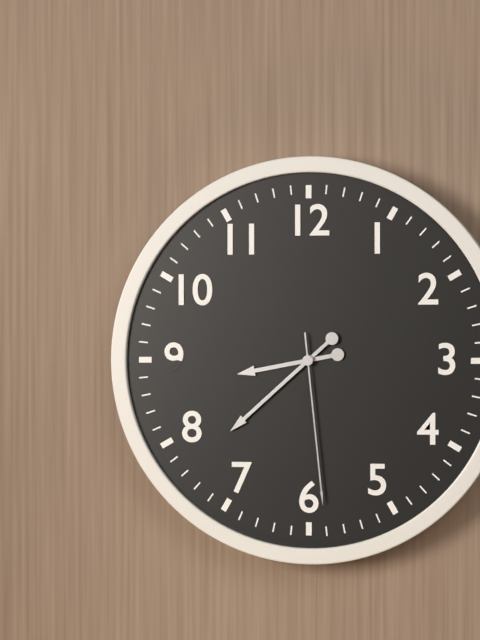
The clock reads 8,38,29
